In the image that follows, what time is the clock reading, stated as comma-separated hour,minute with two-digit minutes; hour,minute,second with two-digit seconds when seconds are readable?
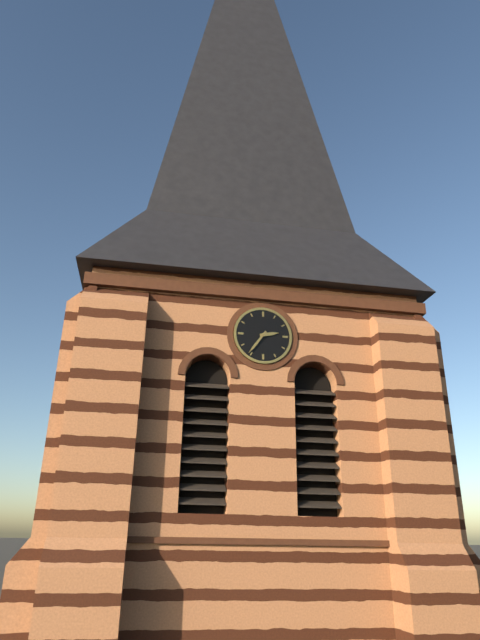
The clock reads 2,36
